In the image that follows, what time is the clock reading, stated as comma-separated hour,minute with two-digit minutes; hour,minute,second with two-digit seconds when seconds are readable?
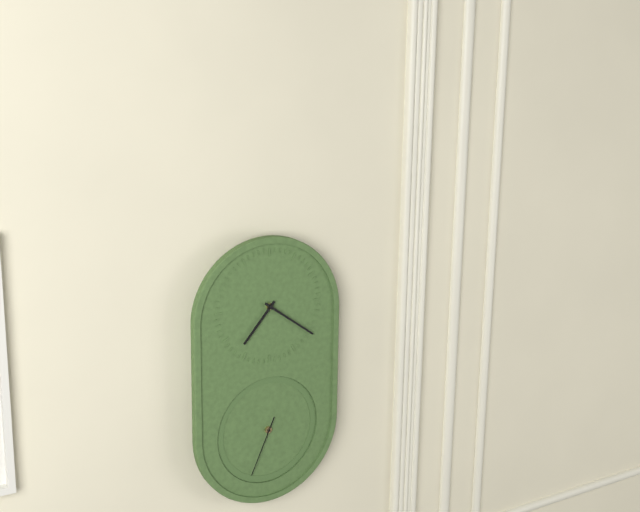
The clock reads 7,21,34
